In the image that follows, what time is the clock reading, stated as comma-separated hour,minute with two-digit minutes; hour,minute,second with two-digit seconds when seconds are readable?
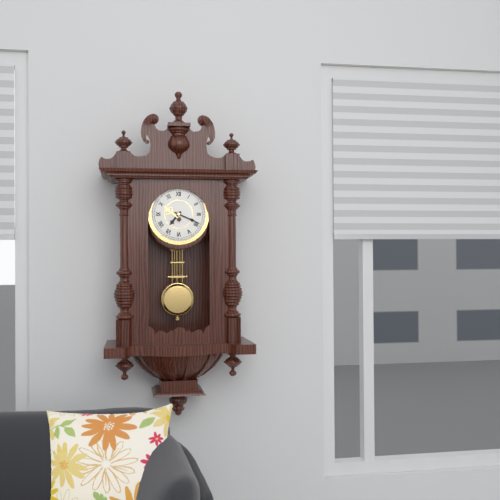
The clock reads 7,19
